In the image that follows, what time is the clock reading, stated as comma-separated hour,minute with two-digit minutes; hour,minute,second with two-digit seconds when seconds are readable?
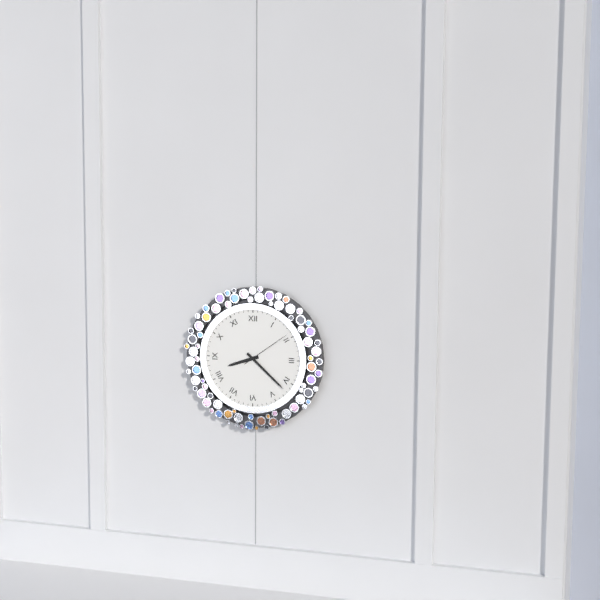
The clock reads 8,22,09
